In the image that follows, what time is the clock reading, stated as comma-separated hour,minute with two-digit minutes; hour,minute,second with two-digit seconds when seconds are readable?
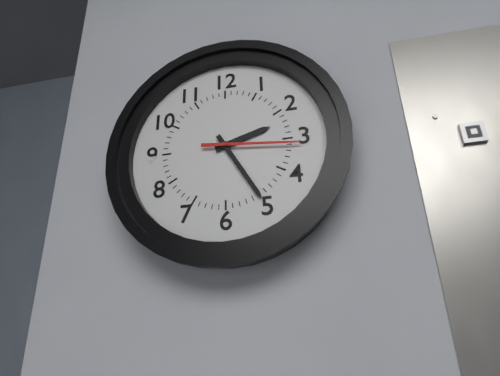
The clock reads 2,25,16
